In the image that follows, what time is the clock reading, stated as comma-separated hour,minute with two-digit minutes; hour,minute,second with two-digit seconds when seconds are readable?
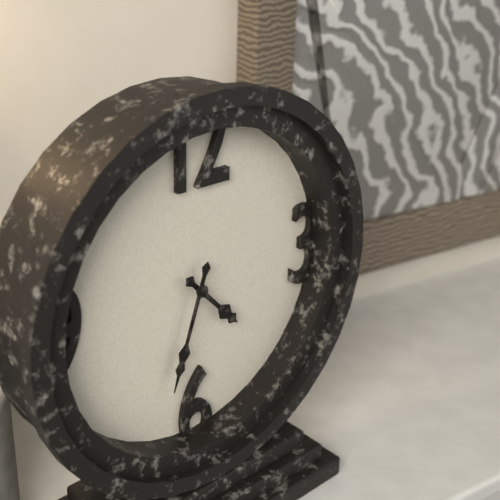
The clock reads 4,33
